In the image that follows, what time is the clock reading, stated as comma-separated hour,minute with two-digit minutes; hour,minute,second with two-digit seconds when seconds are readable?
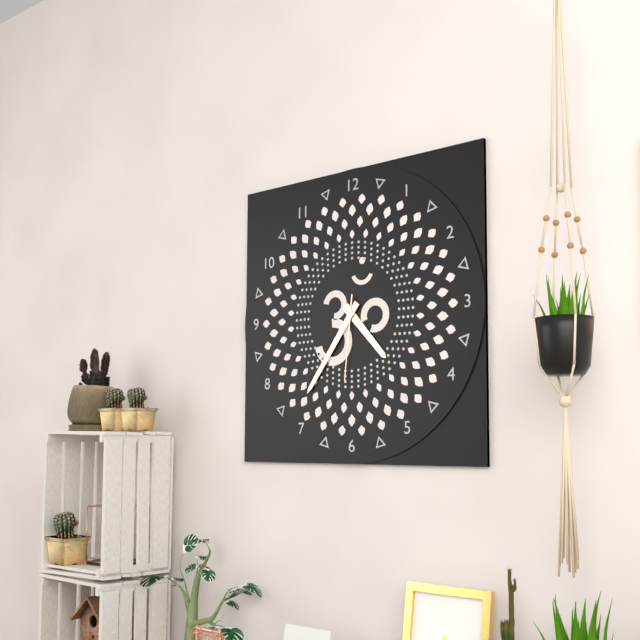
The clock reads 4,36,31
